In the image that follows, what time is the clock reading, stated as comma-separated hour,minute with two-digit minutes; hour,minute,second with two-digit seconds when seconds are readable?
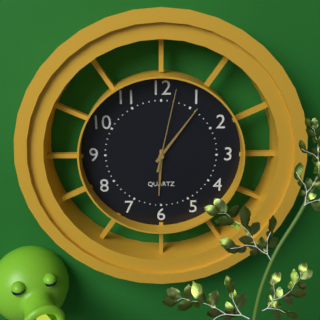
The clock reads 6,06,02
